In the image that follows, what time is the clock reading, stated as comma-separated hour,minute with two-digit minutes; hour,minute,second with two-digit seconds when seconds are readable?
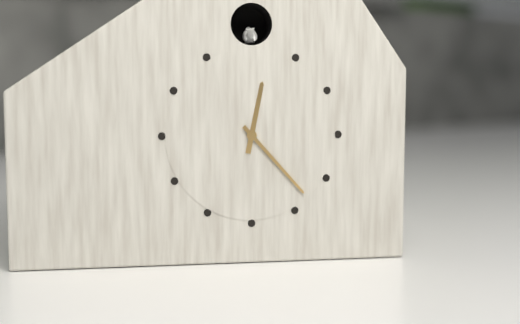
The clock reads 12,23
